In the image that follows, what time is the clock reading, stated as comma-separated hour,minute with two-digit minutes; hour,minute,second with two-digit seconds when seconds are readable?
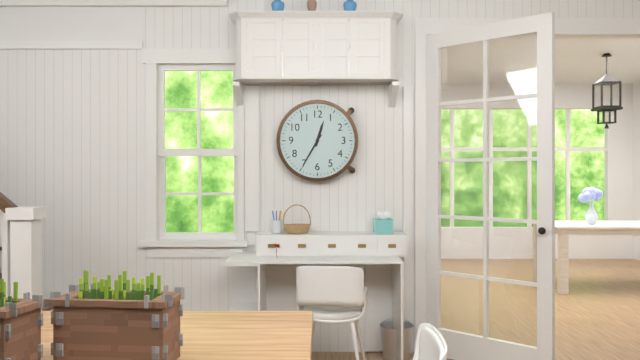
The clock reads 12,35
